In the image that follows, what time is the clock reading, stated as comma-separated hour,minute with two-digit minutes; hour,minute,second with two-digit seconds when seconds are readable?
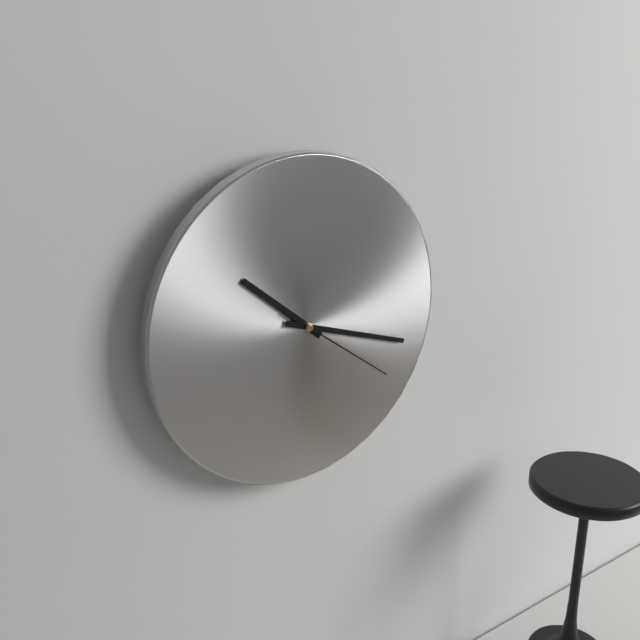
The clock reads 10,18,21
